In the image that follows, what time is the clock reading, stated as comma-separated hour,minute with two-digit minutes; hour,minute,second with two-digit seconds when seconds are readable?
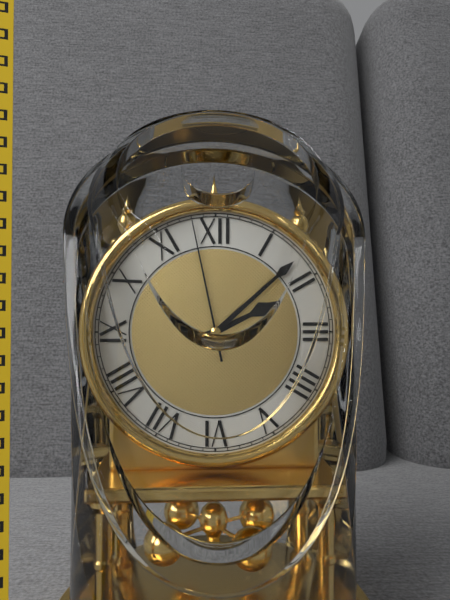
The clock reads 2,08,58
